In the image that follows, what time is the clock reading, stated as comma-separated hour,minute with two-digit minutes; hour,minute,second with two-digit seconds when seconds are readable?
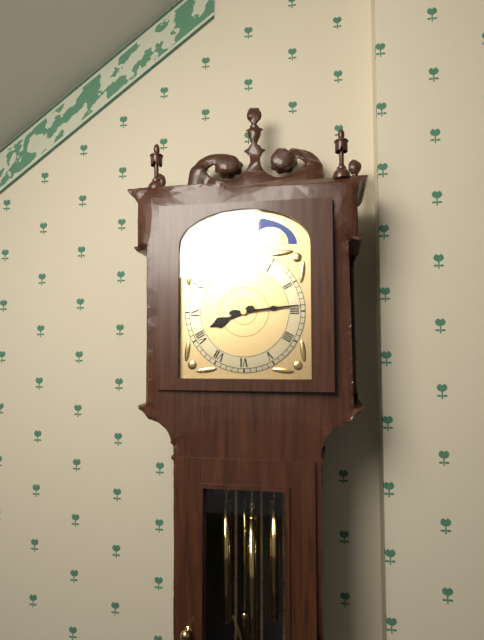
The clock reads 8,14
